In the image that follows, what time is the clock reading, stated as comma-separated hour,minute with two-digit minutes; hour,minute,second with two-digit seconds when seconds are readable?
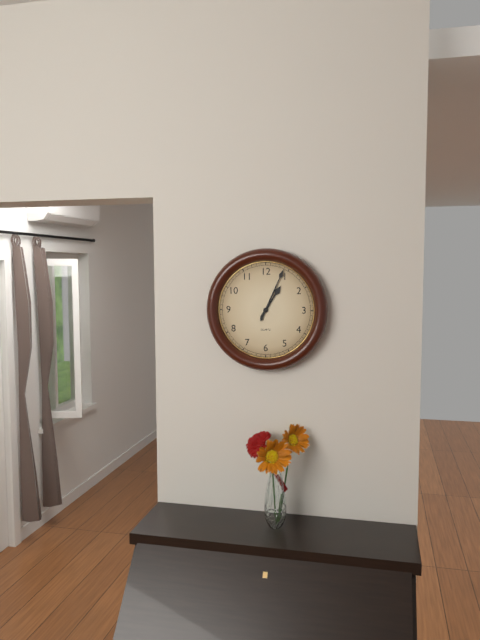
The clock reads 1,04
